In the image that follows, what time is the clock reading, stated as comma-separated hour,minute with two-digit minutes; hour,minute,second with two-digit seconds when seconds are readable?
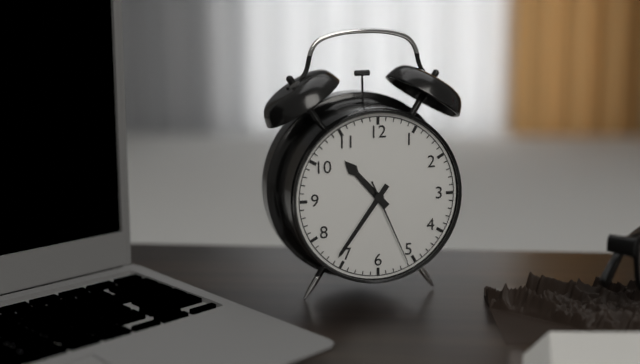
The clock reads 10,36,26
